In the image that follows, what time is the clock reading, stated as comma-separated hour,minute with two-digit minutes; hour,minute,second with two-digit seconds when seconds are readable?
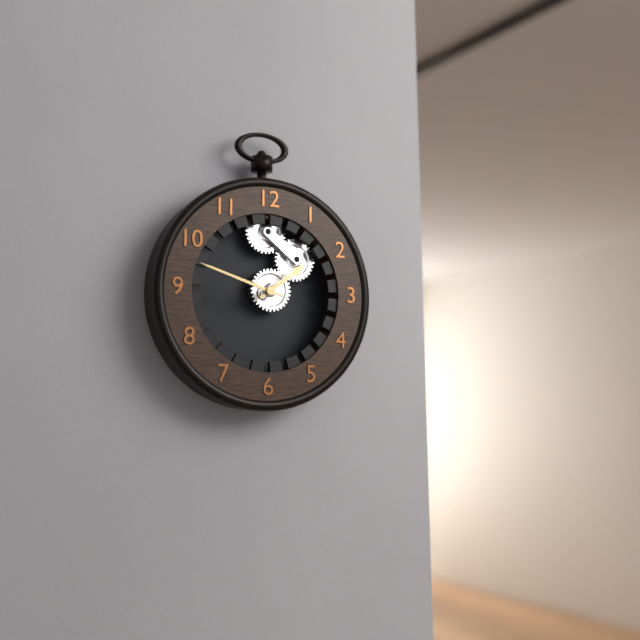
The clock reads 1,48
